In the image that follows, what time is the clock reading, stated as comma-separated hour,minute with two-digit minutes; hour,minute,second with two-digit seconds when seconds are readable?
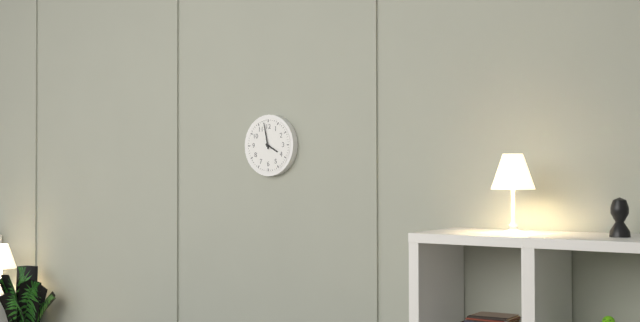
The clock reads 3,58
